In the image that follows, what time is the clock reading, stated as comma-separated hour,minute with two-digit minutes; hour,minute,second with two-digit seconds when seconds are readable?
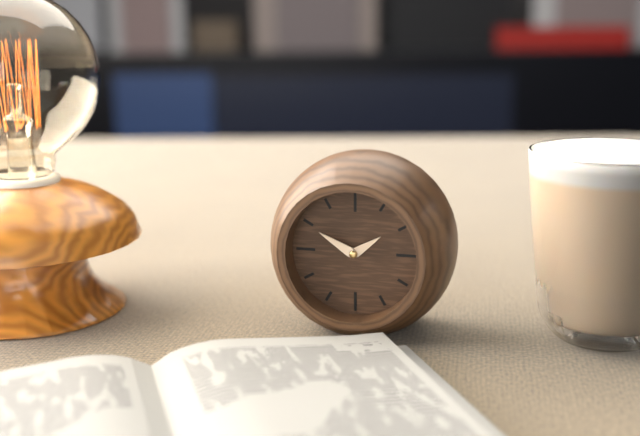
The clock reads 1,50
